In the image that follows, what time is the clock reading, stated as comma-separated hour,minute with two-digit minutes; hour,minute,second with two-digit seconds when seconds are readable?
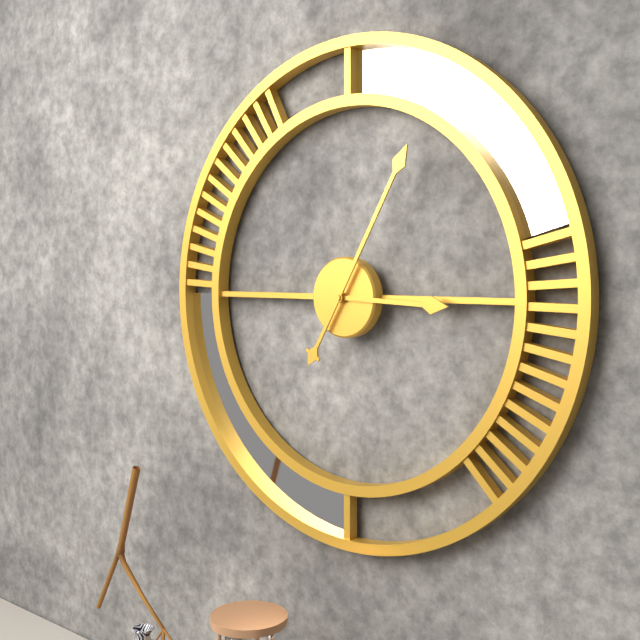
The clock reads 3,05
